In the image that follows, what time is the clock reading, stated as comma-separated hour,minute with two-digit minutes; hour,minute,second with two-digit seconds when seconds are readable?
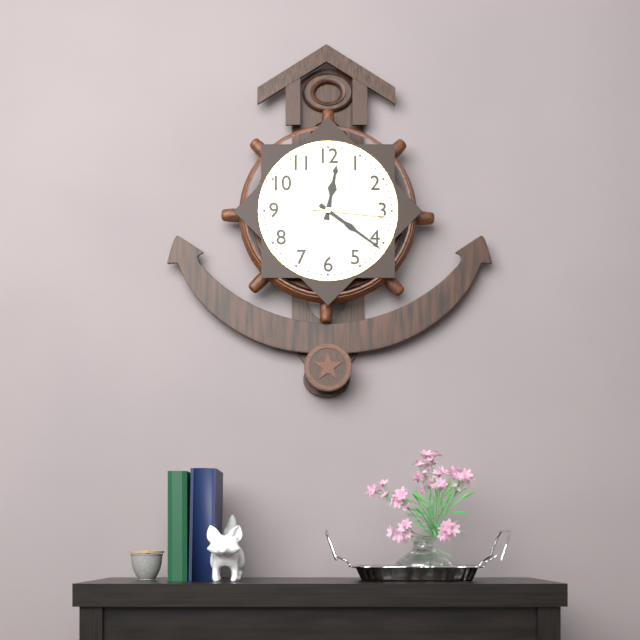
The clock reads 12,21,16
